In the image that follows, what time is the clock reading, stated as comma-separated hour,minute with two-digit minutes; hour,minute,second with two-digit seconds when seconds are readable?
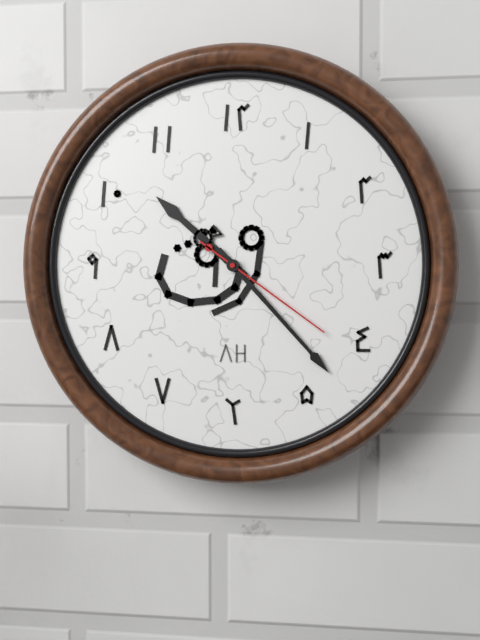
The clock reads 10,23,21
